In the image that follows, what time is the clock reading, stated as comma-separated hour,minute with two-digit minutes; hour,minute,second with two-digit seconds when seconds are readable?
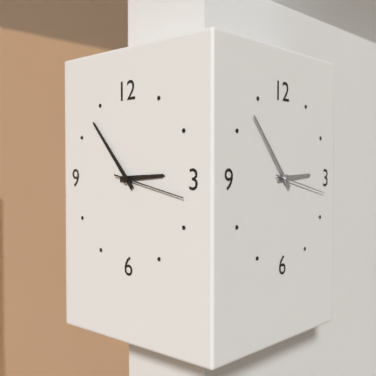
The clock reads 2,53,17
